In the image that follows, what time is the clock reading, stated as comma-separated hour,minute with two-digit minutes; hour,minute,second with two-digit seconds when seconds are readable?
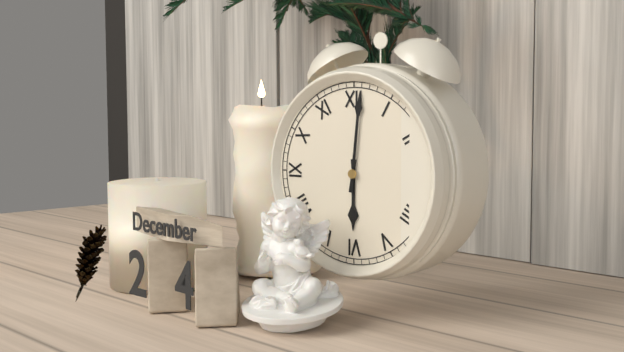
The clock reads 6,01
